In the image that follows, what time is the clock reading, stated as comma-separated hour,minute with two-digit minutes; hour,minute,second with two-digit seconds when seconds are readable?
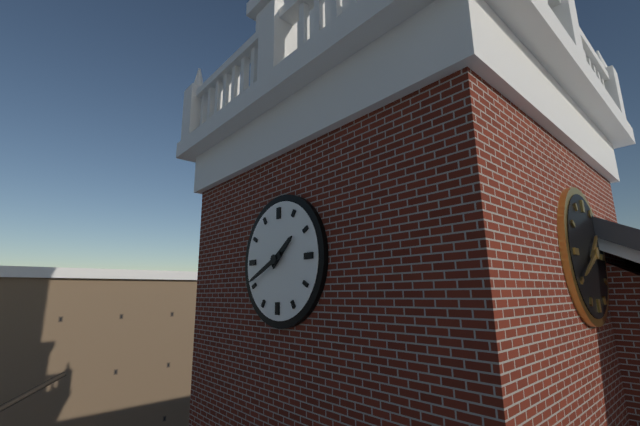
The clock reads 1,41
